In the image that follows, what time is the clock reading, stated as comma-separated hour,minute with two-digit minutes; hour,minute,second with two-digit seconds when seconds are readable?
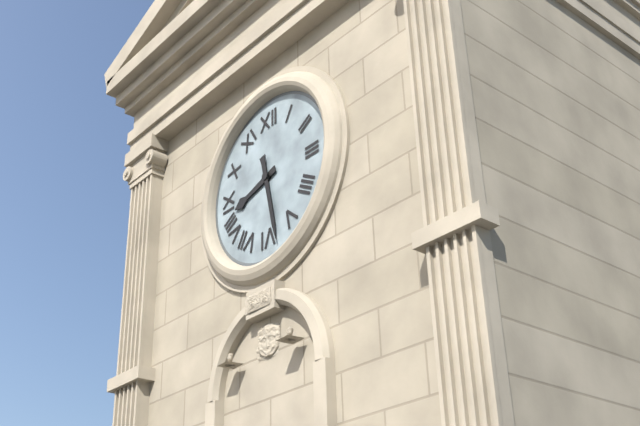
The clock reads 8,28
